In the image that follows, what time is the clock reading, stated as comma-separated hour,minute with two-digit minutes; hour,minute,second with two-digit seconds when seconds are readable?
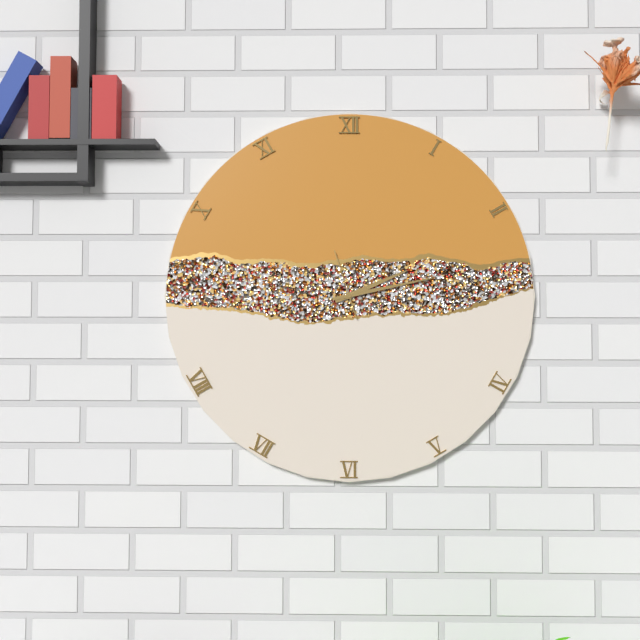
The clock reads 2,13,57
